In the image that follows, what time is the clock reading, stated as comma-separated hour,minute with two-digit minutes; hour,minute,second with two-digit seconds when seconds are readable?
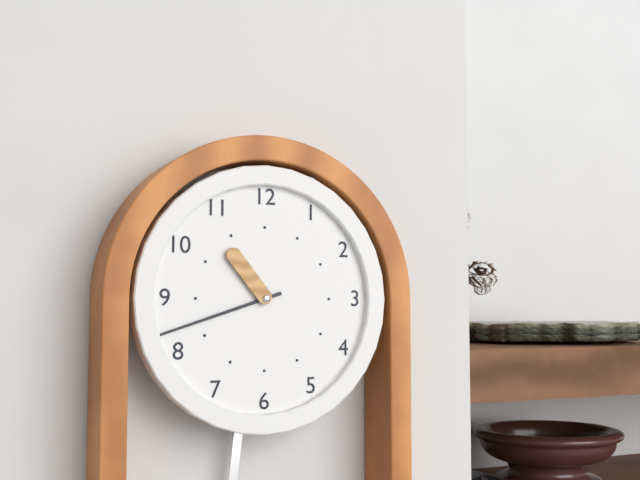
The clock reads 10,42
